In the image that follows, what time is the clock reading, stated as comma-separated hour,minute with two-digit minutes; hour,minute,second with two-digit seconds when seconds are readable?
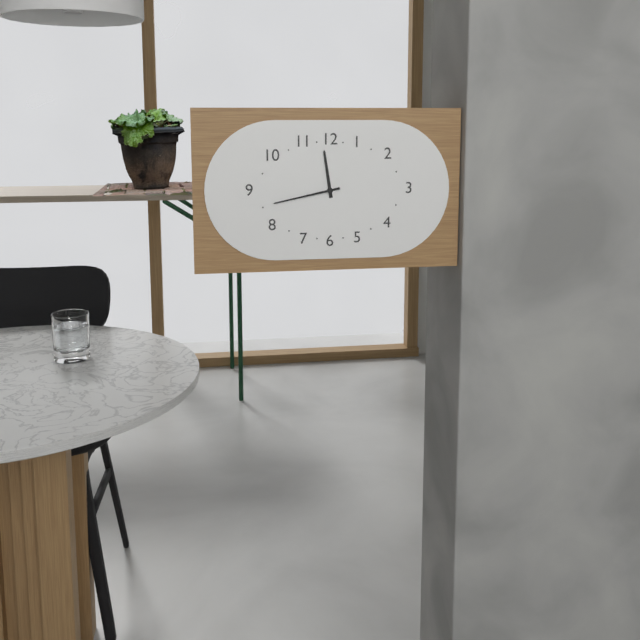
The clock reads 11,43
